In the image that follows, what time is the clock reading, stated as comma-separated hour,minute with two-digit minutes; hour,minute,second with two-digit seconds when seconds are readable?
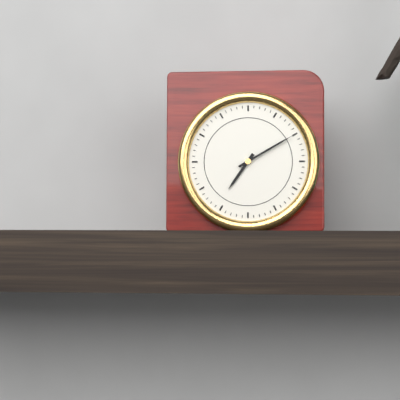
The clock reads 7,10
